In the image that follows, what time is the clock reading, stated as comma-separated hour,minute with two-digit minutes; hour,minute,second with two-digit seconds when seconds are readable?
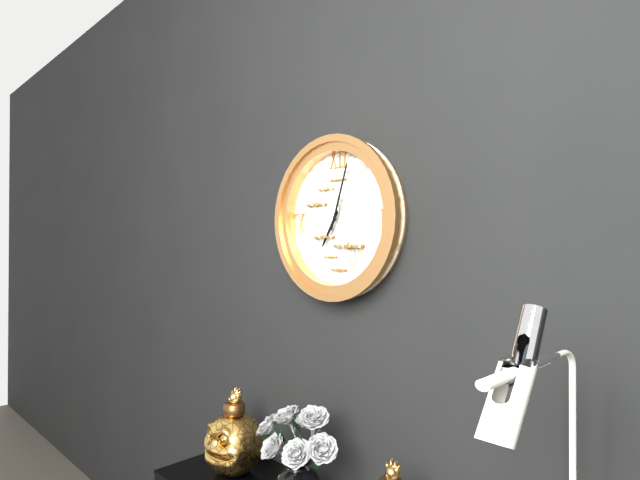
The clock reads 7,03
